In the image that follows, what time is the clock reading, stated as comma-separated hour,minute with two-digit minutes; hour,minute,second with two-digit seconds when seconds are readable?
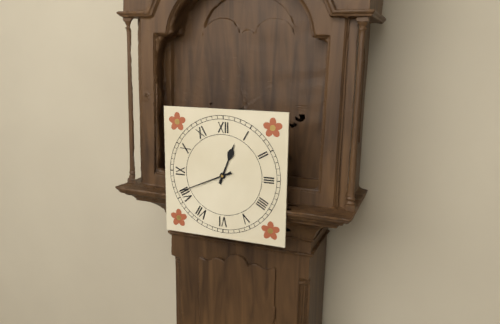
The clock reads 12,41
